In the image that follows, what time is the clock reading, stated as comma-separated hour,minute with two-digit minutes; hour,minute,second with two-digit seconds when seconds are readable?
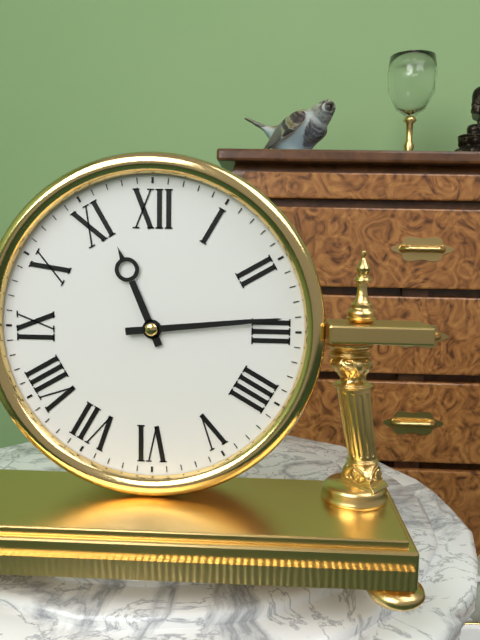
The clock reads 11,14
